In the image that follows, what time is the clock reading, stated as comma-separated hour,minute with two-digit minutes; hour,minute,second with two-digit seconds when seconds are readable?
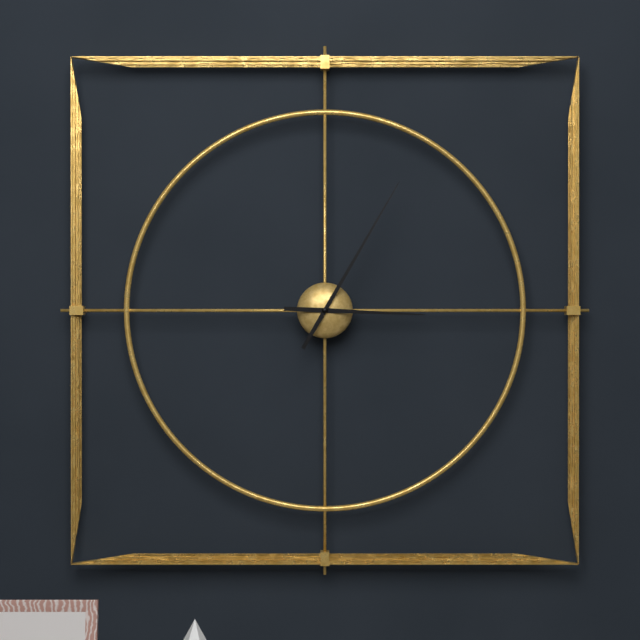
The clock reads 3,05
